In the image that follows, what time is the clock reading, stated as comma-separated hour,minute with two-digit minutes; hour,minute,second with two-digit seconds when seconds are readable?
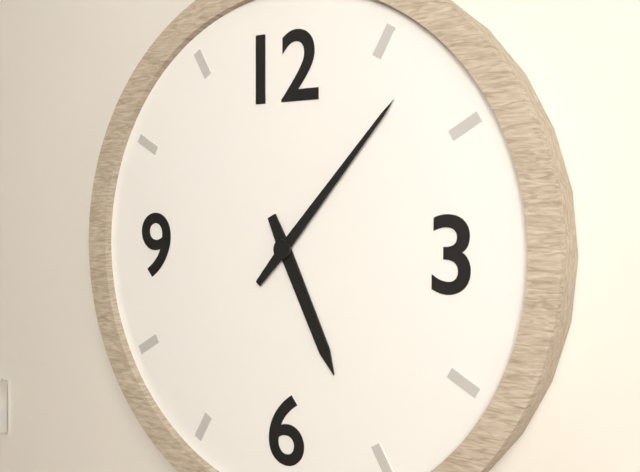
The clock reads 5,07
